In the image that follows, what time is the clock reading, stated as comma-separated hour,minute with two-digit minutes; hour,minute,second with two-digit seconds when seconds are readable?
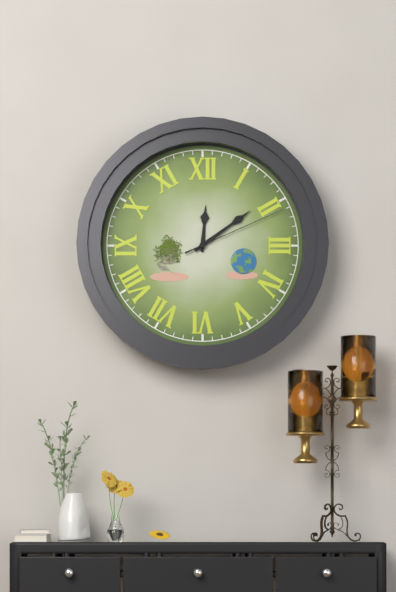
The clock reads 12,09,11
